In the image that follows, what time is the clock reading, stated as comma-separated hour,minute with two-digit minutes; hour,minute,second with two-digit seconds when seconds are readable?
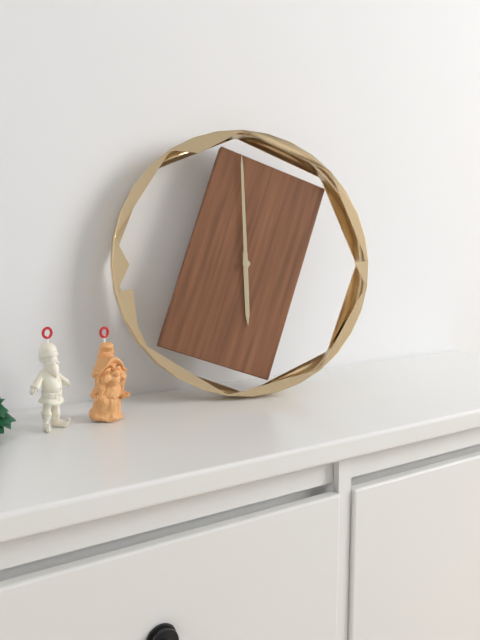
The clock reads 6,00
